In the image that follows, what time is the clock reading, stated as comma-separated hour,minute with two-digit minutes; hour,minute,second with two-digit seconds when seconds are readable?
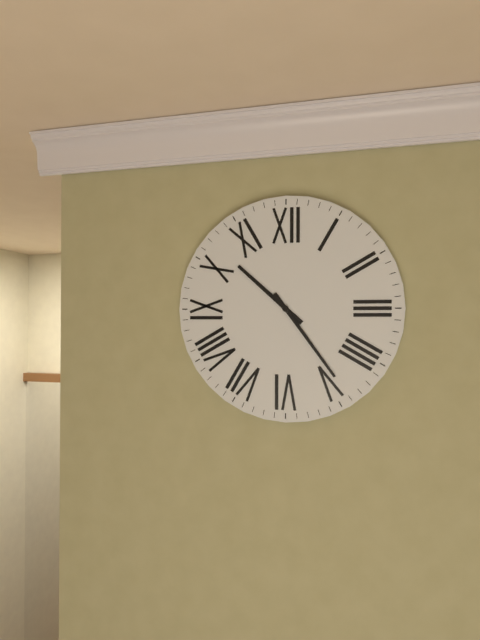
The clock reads 10,24
